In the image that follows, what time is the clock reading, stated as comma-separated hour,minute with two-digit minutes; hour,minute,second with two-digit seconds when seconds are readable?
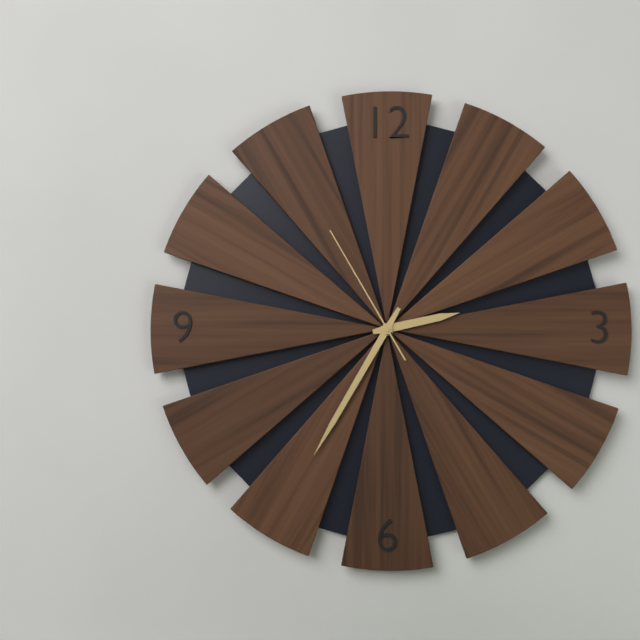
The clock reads 2,35,55
